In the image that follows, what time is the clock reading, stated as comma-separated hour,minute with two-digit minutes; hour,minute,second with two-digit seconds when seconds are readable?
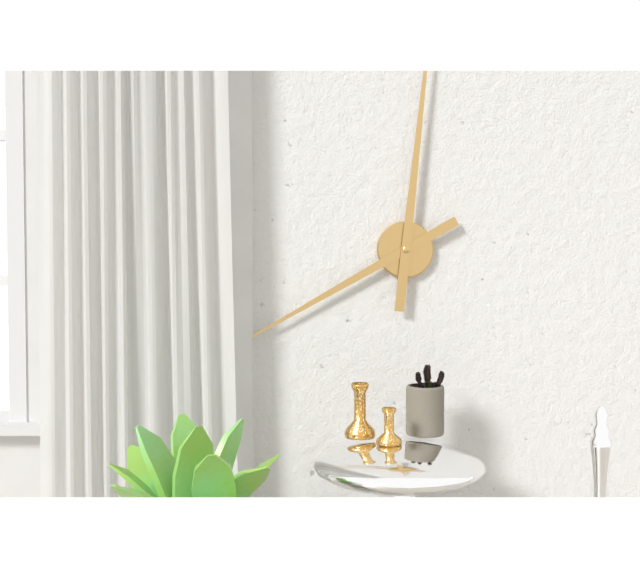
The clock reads 8,01
